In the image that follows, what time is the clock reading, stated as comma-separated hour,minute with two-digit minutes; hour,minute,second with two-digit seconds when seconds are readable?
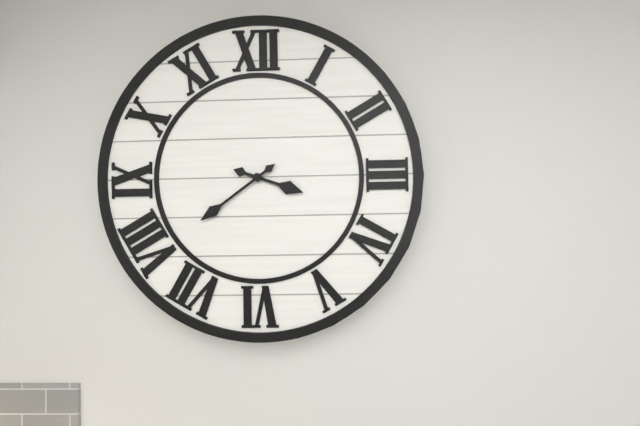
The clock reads 3,39
